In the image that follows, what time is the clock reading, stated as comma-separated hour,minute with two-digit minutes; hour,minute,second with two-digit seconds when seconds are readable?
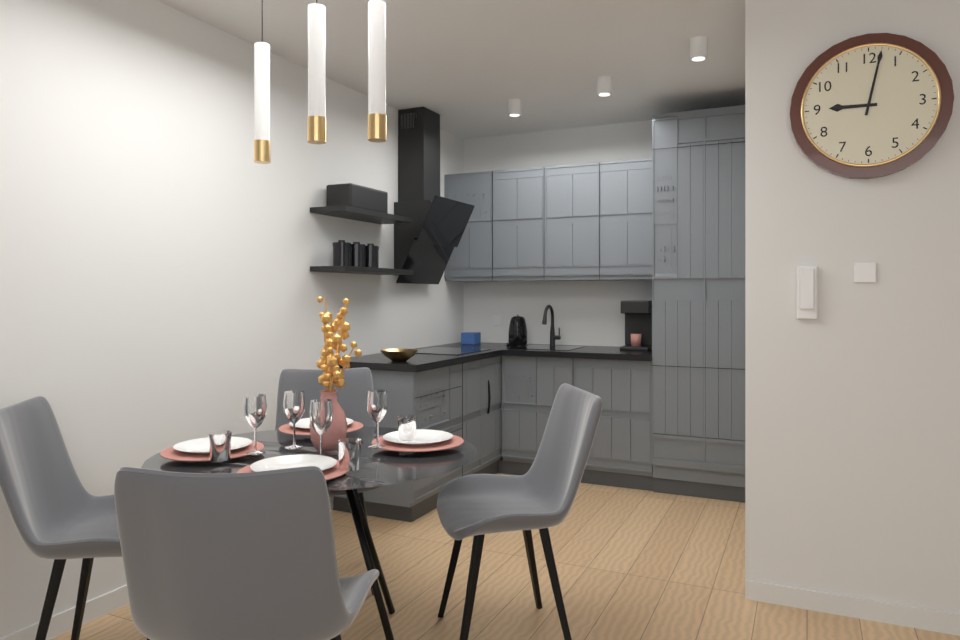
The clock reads 9,02
